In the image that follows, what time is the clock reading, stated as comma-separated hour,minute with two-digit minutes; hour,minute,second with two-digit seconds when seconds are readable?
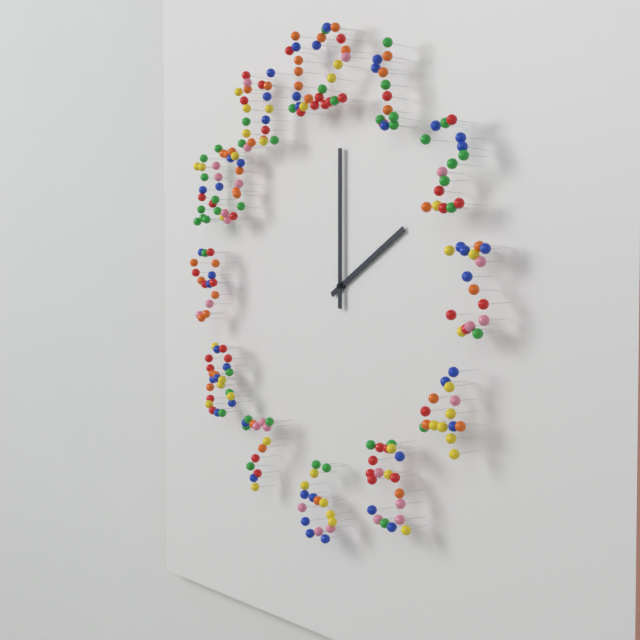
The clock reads 2,00
